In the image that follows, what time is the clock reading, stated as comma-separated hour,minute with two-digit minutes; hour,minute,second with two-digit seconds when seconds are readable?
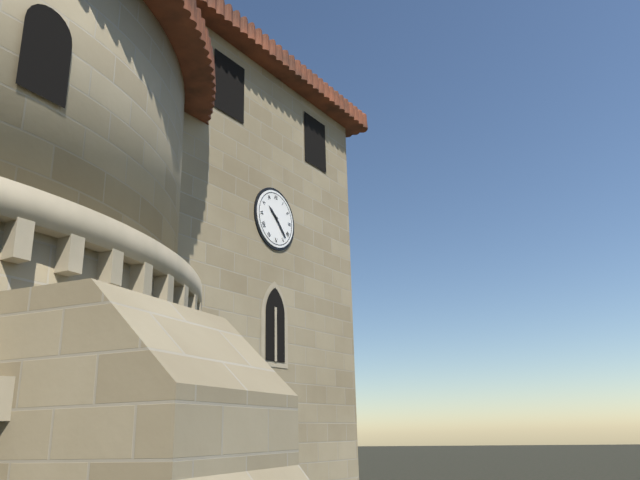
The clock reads 10,23
